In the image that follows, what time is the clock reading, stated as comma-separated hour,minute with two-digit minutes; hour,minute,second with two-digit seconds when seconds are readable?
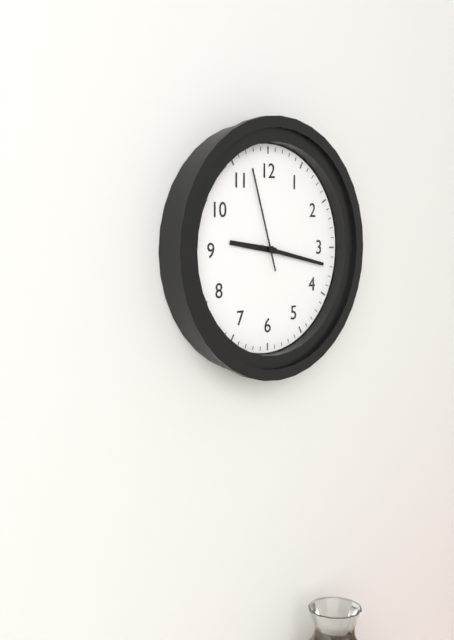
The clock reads 9,17,57
